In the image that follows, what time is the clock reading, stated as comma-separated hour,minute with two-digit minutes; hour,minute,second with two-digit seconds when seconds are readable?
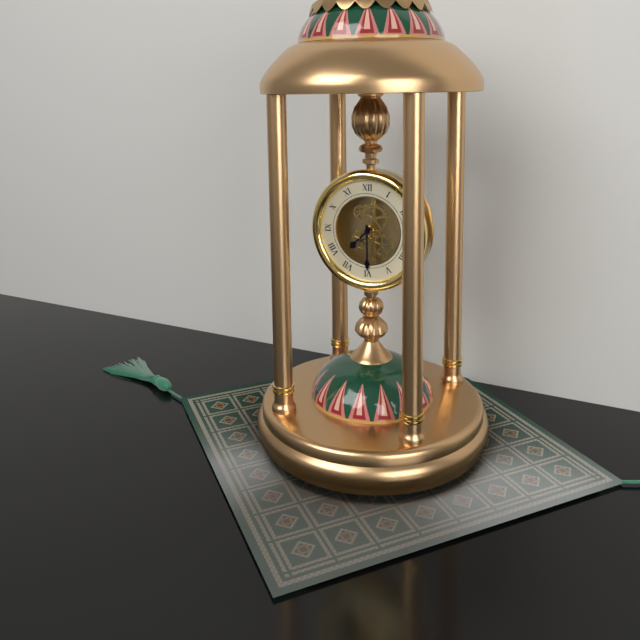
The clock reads 7,30
